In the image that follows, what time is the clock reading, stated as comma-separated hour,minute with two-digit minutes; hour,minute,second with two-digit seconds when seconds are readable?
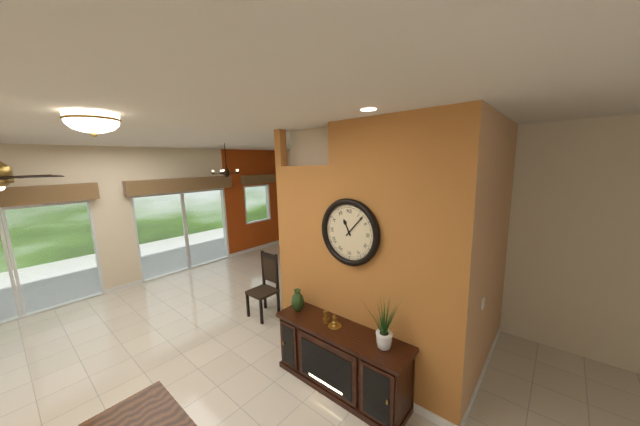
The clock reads 11,07
